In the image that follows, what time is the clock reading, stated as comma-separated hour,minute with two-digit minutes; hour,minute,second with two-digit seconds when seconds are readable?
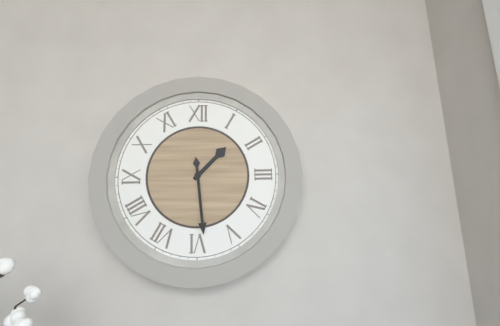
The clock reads 1,29
